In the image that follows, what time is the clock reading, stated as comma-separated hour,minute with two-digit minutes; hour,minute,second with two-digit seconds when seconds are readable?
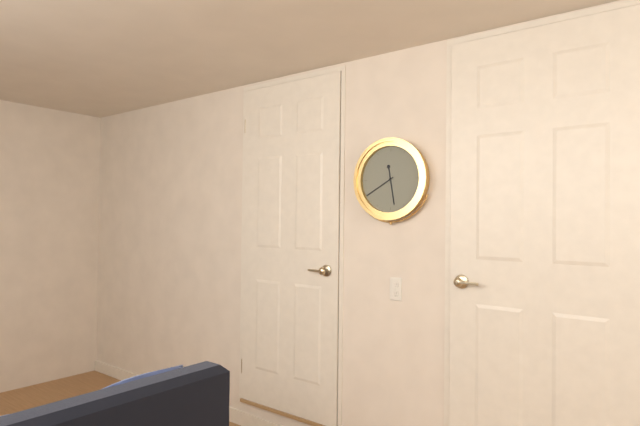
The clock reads 5,40
